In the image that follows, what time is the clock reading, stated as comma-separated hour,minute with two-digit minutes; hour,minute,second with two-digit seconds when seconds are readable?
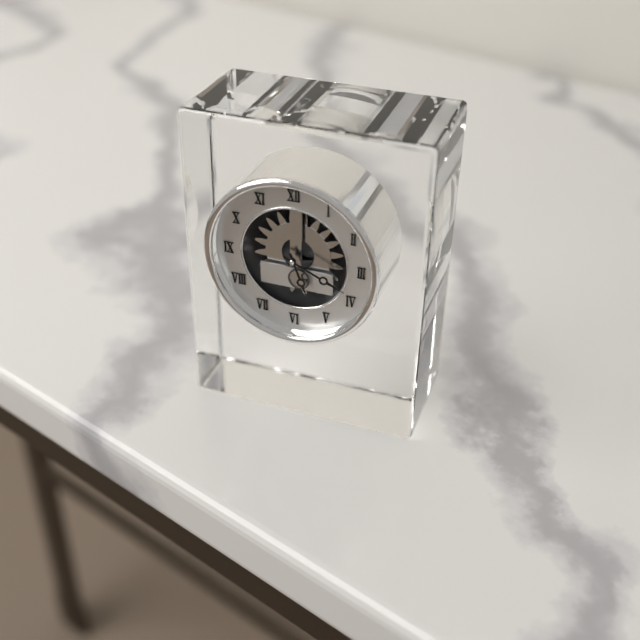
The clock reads 5,19
